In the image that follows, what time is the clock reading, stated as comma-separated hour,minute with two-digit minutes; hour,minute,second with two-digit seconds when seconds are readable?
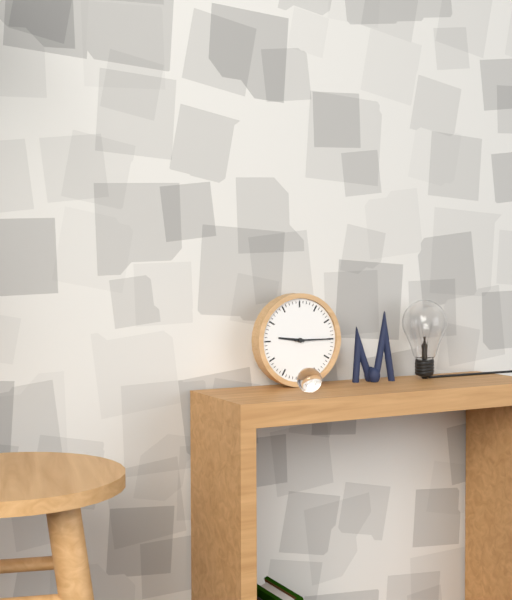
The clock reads 9,15
